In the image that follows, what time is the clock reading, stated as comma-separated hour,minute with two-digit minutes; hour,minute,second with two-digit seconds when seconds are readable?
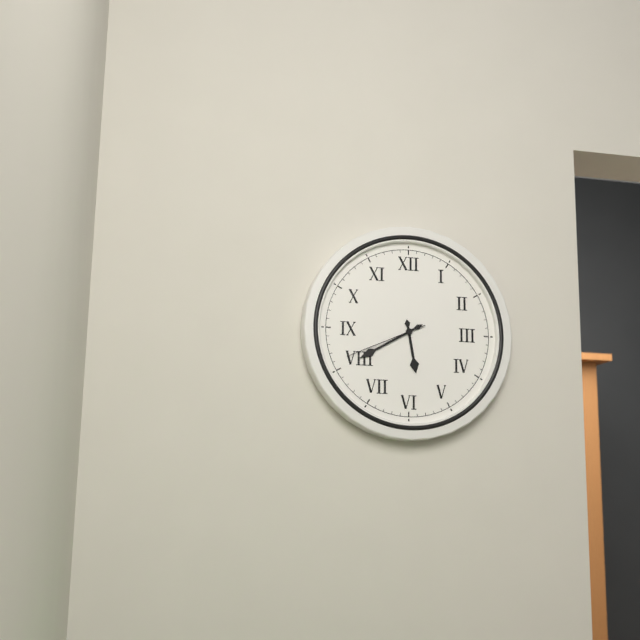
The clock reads 5,40,41
